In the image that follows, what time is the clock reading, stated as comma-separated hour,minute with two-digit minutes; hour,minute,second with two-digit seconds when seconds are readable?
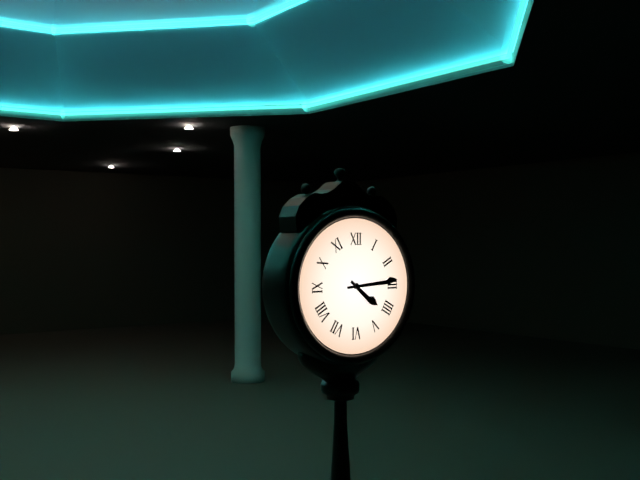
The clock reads 4,14
